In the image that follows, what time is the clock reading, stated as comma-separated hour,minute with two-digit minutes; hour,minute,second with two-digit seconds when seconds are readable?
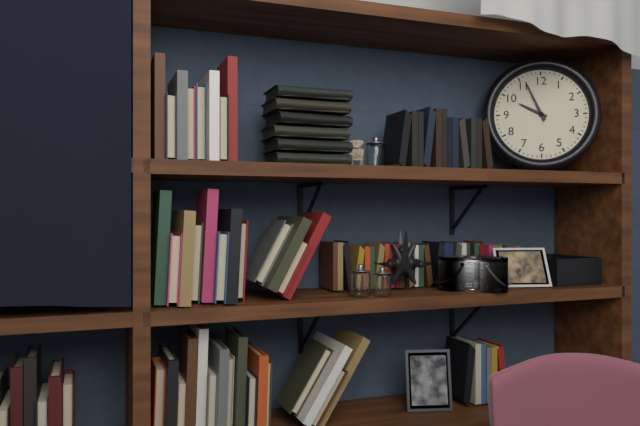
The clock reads 9,56
